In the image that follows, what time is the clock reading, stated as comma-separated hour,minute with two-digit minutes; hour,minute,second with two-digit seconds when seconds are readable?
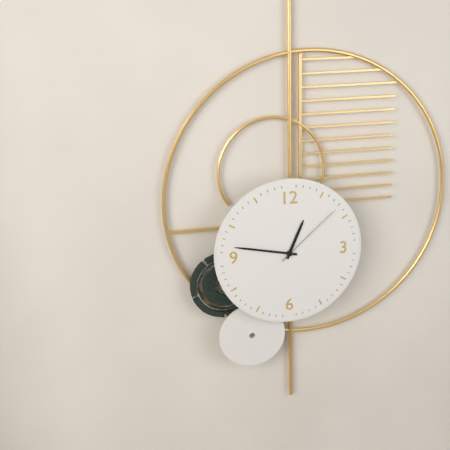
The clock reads 12,47,08
